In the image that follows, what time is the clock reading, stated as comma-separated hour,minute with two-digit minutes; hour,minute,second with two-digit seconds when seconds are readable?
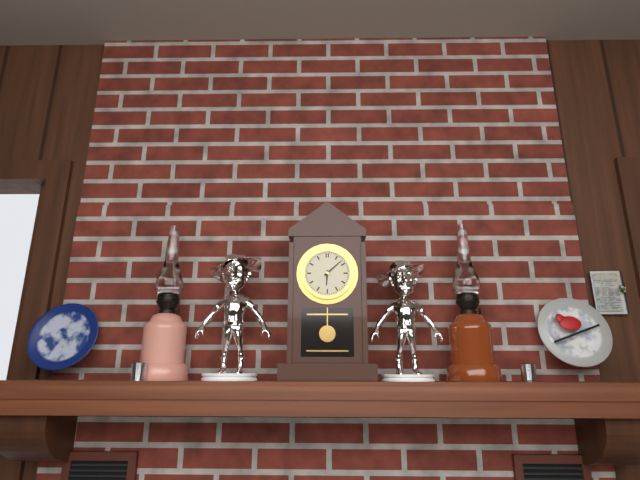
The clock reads 6,08
